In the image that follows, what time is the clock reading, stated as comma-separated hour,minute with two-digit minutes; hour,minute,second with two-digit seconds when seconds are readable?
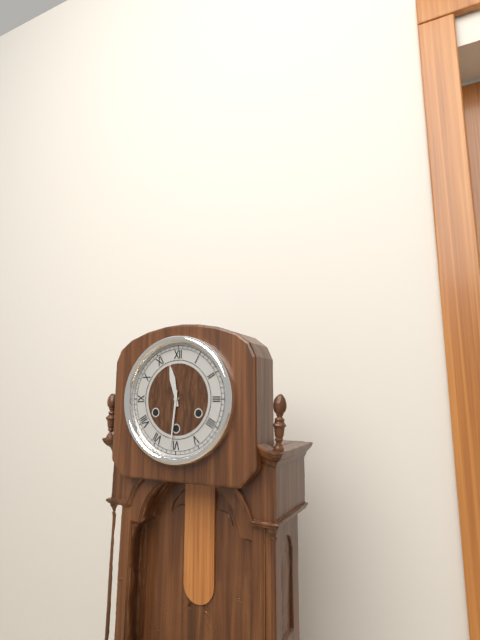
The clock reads 11,31
